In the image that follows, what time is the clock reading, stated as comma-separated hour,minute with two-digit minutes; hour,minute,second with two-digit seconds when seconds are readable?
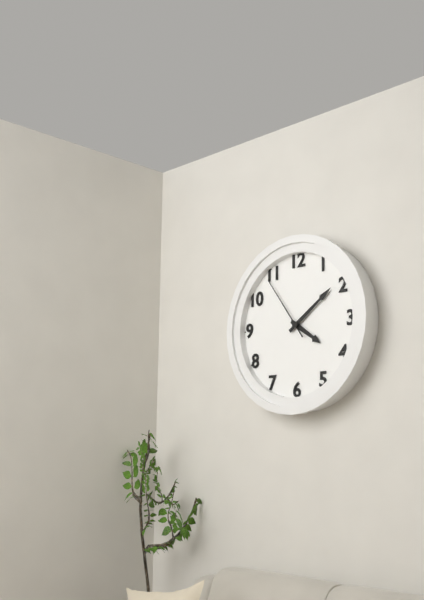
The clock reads 4,09,54
